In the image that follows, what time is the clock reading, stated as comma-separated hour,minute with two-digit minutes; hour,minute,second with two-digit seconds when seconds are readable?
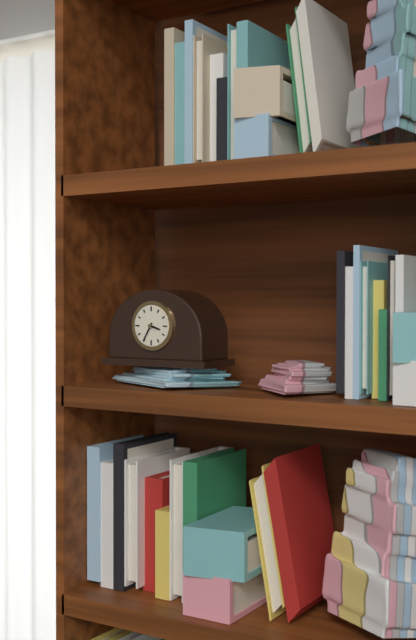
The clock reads 3,35
